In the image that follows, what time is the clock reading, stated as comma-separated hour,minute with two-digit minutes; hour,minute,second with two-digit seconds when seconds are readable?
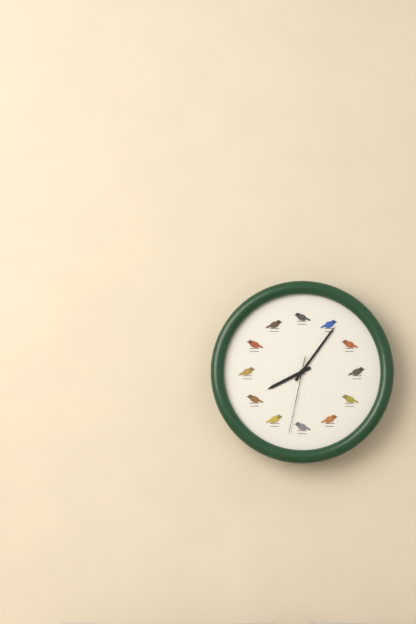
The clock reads 8,06,32
